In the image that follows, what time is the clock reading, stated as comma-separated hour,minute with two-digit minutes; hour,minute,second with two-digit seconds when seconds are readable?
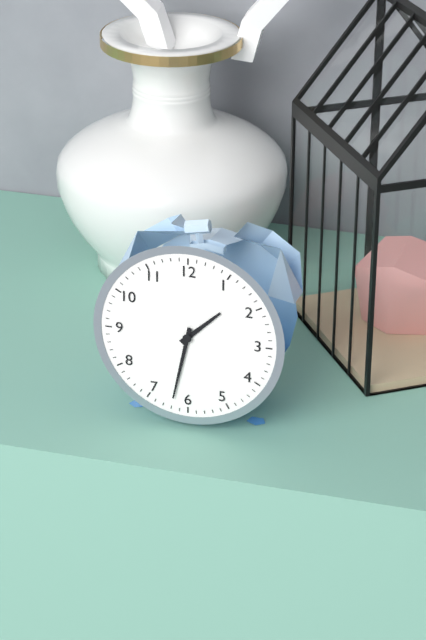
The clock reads 1,32
